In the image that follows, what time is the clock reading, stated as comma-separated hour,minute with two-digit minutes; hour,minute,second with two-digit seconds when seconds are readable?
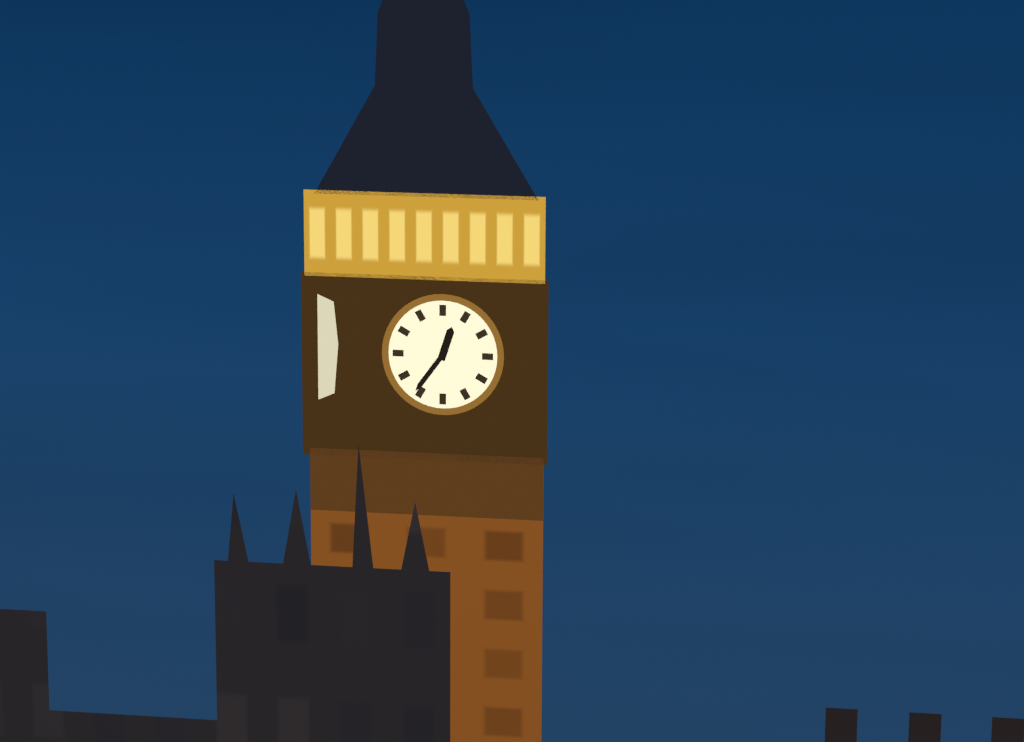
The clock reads 12,36
